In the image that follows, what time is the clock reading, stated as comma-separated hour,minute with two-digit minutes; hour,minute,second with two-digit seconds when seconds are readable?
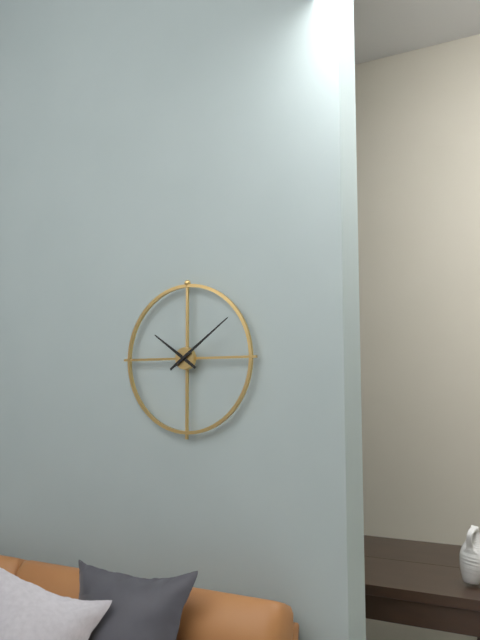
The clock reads 10,09
